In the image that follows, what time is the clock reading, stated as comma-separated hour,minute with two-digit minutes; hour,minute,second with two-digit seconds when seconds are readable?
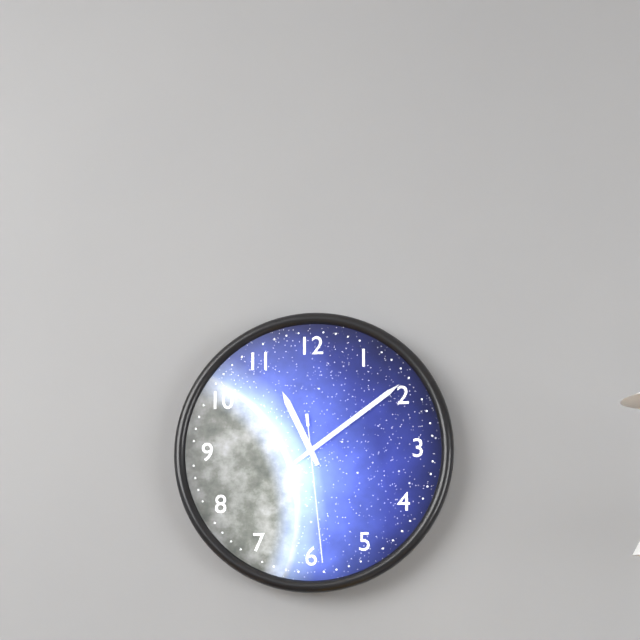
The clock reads 11,09,29
